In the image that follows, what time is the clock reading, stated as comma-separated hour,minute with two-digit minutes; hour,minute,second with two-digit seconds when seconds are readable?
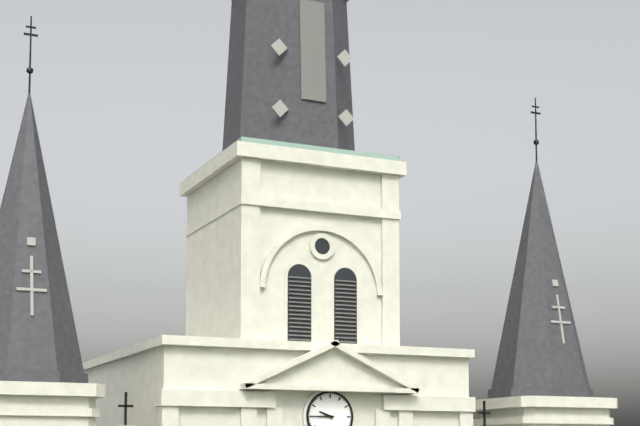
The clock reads 9,45
